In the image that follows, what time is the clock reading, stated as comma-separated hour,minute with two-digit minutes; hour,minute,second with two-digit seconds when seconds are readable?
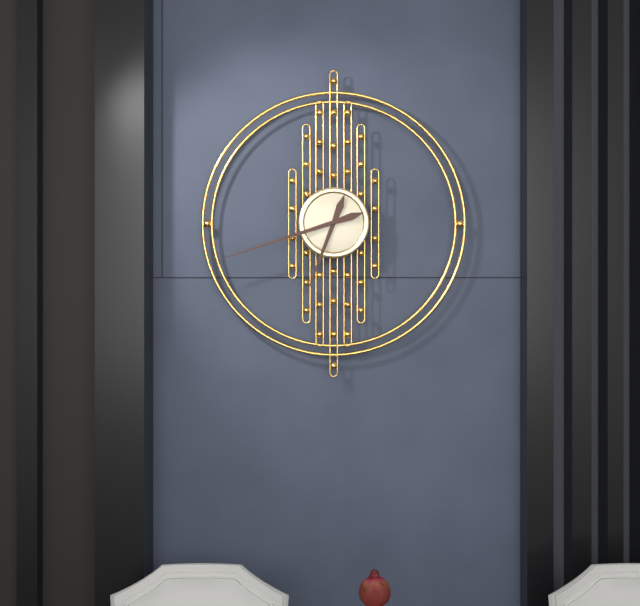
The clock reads 6,42
